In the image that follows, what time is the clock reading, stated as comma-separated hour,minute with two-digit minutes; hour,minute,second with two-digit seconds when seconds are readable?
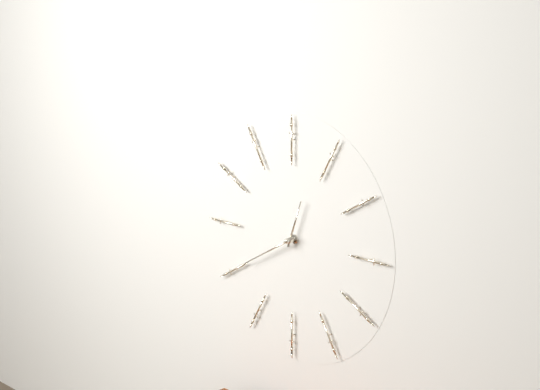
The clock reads 12,40
